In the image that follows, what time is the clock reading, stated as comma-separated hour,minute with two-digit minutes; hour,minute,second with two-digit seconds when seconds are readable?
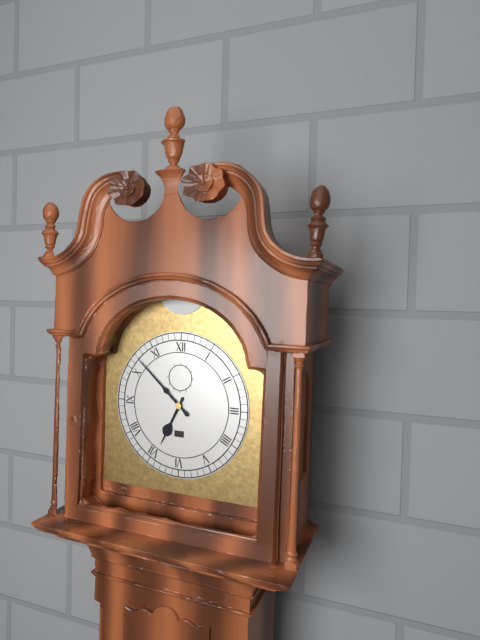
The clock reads 6,52
